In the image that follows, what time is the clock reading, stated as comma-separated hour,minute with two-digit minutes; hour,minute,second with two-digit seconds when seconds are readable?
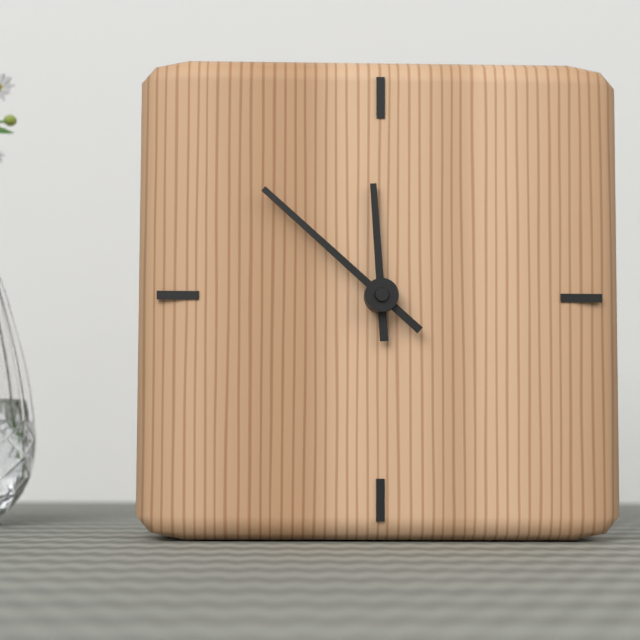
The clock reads 11,52
